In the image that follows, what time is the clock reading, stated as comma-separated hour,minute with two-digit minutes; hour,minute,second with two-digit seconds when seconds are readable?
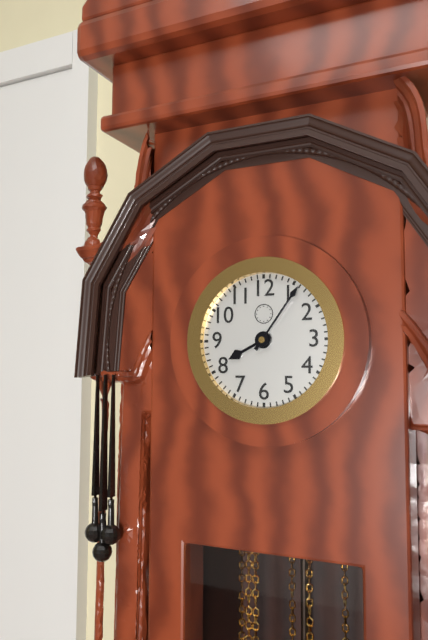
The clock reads 8,06
